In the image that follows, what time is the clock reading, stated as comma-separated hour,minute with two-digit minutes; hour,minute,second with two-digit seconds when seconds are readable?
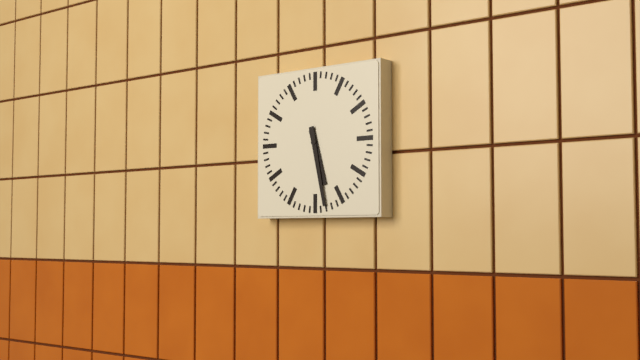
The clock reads 5,28
